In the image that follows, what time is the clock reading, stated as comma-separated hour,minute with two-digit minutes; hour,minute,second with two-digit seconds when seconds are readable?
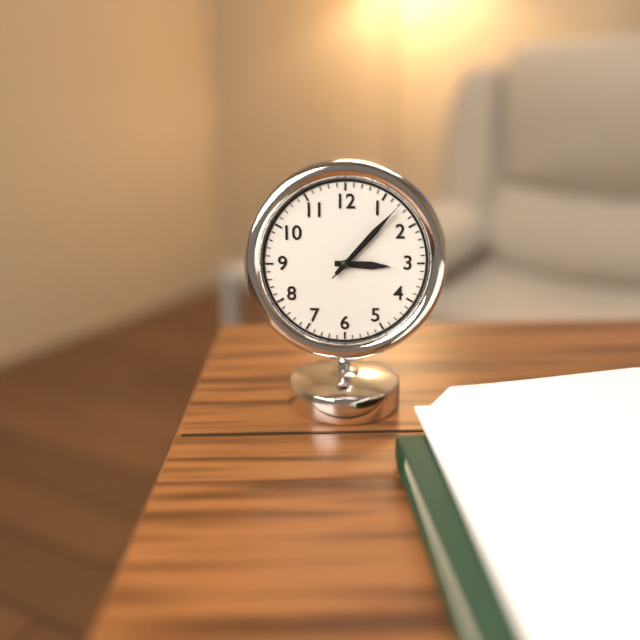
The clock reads 3,07,07
